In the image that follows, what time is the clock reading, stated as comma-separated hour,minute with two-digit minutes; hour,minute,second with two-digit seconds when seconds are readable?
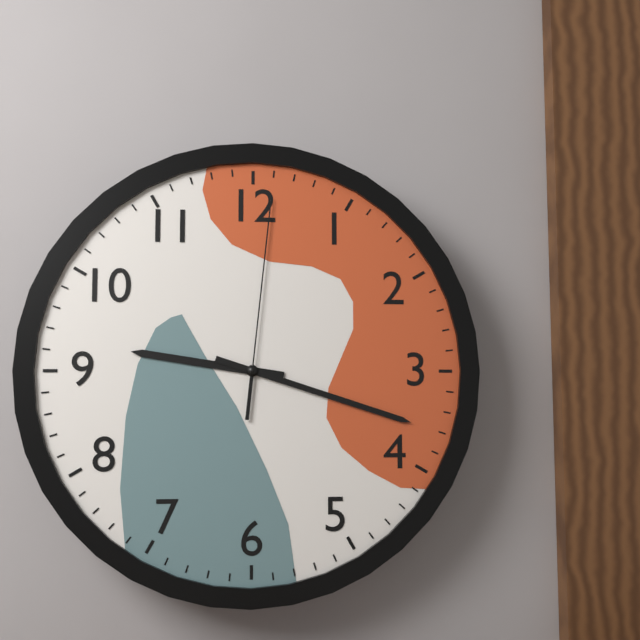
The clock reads 9,18,01
